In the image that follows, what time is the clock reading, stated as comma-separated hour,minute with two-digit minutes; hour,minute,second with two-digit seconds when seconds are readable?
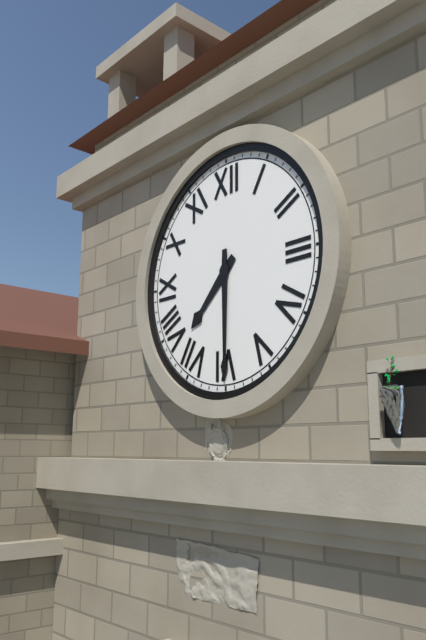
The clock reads 7,30
